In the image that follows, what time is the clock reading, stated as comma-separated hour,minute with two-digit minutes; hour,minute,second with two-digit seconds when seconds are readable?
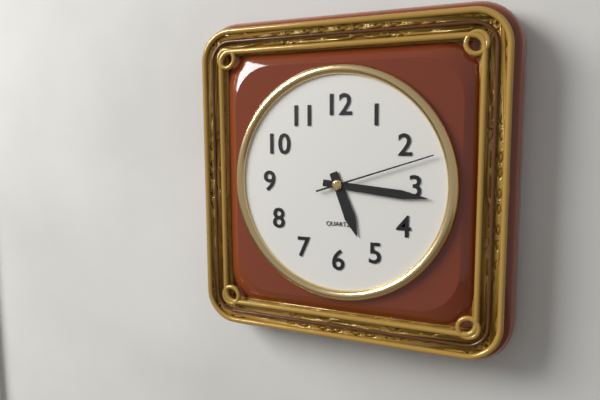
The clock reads 5,16,12
